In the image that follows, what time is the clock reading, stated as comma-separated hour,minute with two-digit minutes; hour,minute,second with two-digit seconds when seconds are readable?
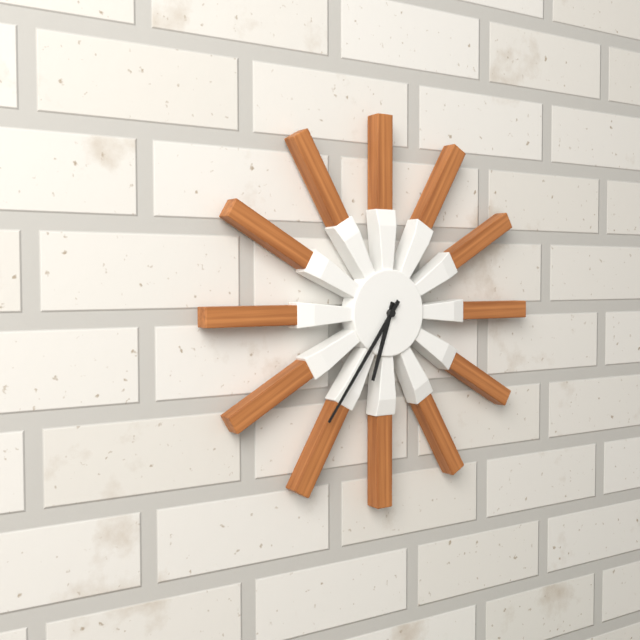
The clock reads 6,36
